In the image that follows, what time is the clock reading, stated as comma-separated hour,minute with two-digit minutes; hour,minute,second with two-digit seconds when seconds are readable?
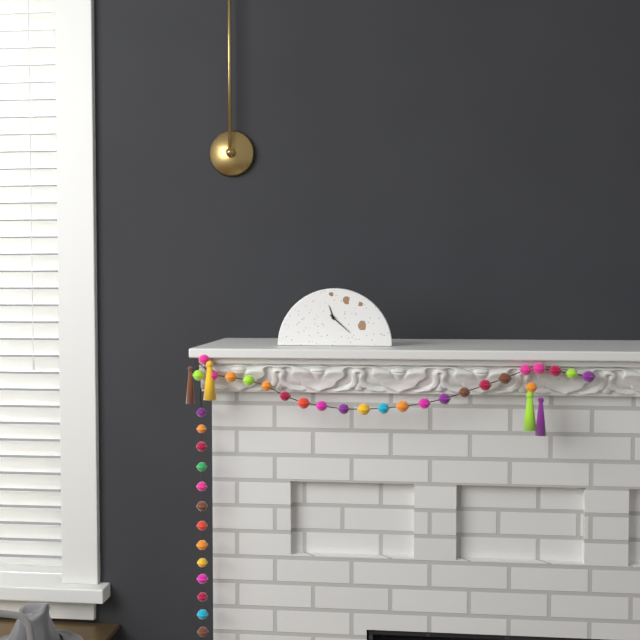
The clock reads 11,22
